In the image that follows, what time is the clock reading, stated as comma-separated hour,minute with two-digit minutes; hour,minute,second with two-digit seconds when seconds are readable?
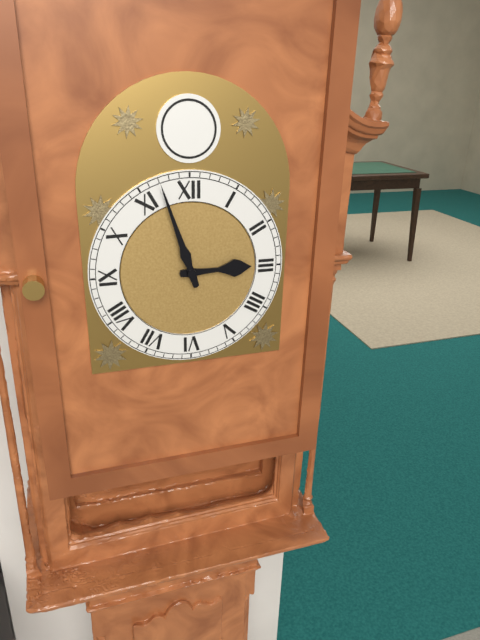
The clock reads 2,57
